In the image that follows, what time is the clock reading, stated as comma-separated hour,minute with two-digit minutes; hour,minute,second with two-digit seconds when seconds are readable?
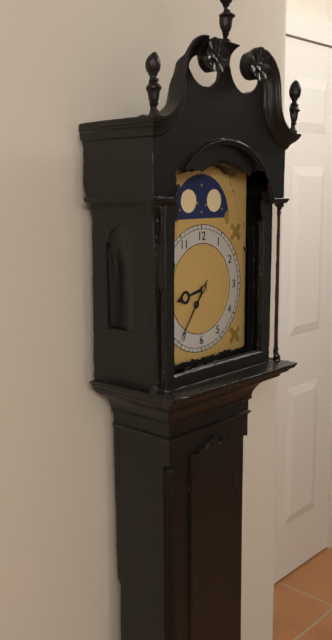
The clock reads 8,36
